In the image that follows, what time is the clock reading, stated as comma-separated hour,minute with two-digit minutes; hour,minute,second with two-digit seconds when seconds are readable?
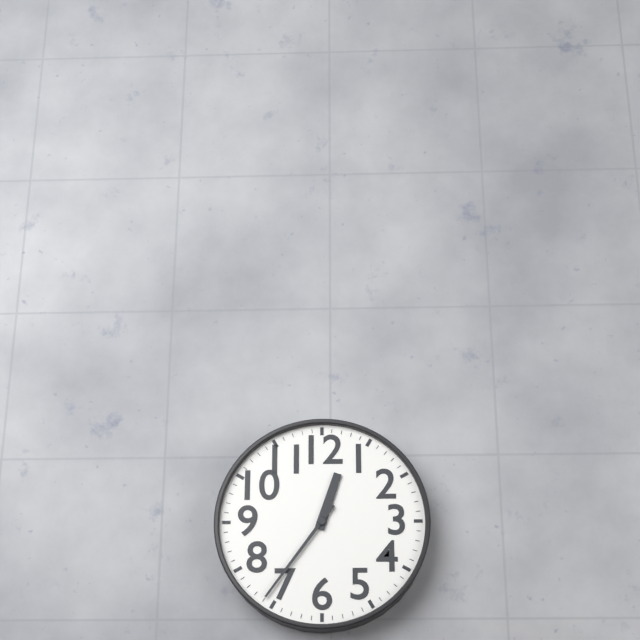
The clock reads 12,36
